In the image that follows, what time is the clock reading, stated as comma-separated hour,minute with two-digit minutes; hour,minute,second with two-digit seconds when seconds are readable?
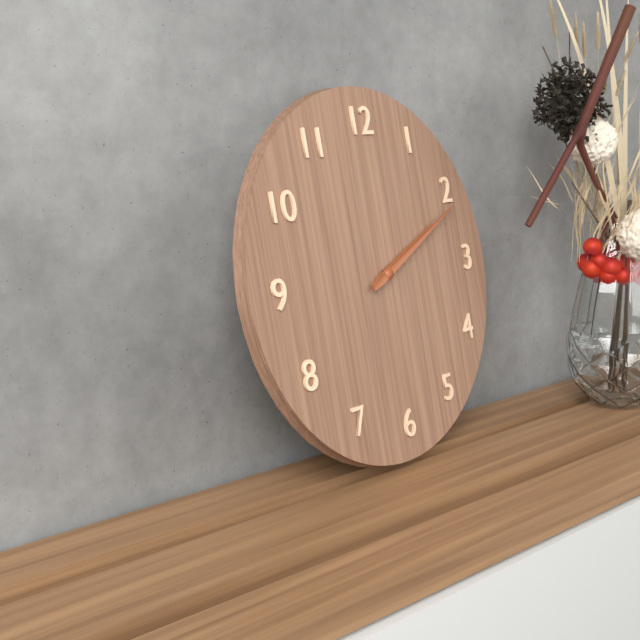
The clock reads 2,11
